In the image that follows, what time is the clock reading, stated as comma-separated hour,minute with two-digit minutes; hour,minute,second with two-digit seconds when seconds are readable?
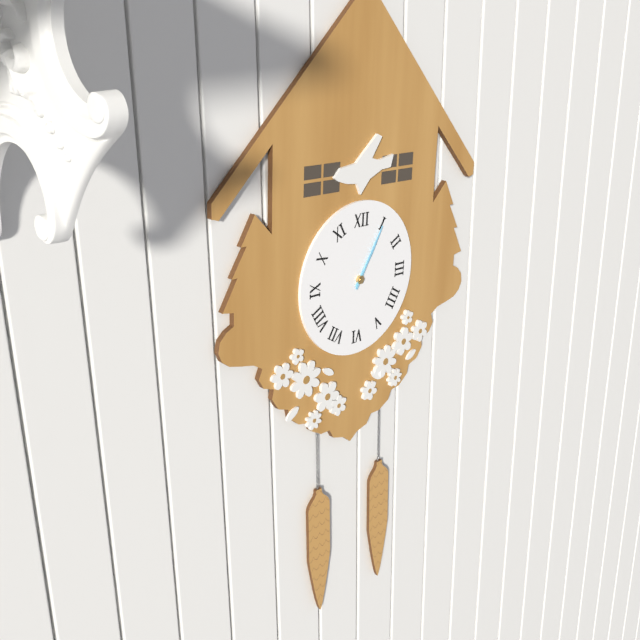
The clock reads 1,05
